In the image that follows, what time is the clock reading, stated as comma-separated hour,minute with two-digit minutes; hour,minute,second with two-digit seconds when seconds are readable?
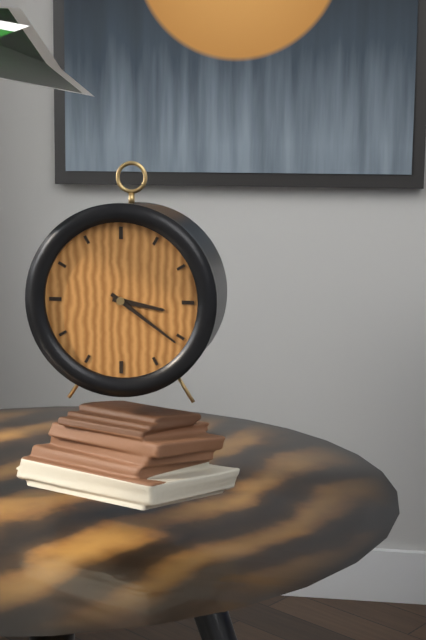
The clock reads 3,21
